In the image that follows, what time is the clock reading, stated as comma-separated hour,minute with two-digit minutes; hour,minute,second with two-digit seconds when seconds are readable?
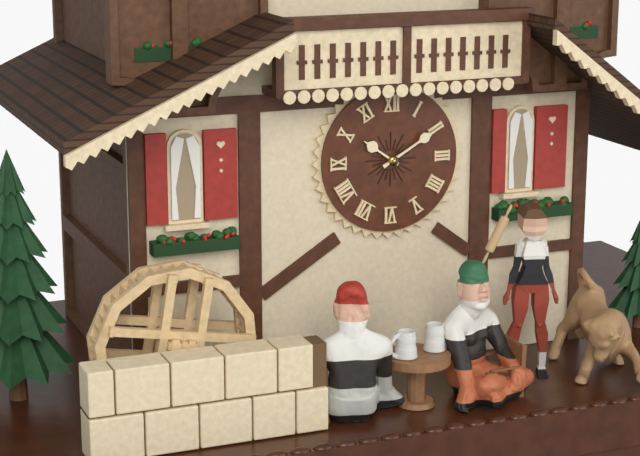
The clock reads 10,10
